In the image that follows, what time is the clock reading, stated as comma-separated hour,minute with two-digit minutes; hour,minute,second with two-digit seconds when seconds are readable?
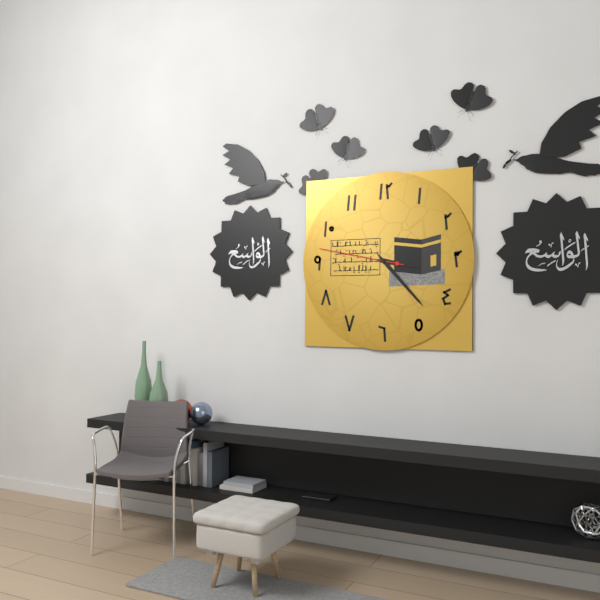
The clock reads 3,23,47
